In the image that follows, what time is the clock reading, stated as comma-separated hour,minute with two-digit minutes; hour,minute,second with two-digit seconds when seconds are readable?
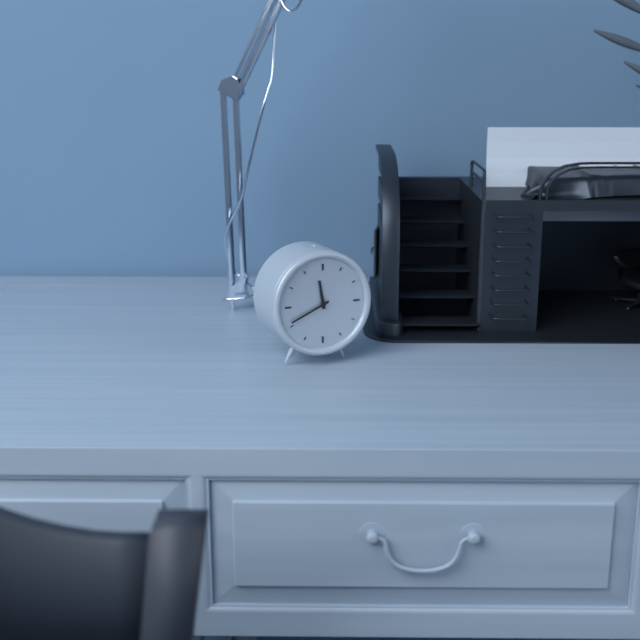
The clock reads 11,41
